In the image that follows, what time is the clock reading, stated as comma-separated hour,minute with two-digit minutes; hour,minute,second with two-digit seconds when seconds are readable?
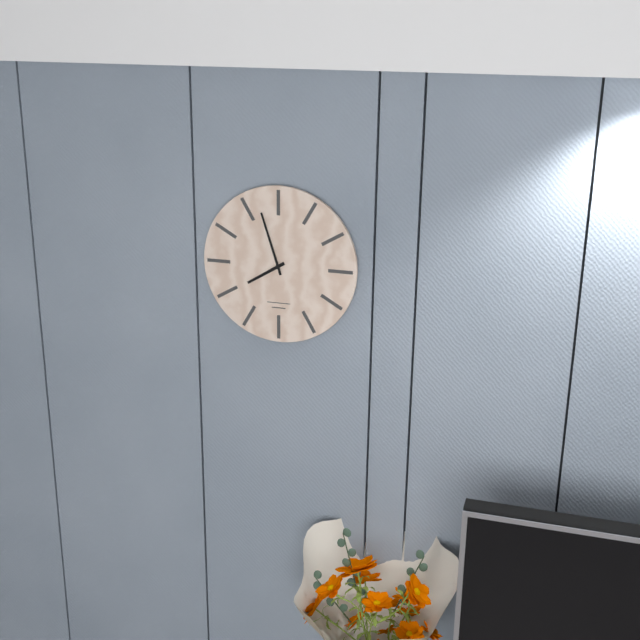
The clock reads 7,57
